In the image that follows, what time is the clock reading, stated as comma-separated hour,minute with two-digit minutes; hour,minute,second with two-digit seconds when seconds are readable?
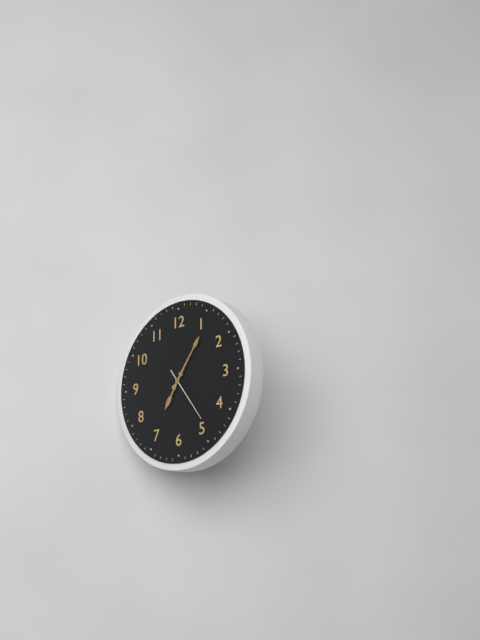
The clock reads 7,06,24
